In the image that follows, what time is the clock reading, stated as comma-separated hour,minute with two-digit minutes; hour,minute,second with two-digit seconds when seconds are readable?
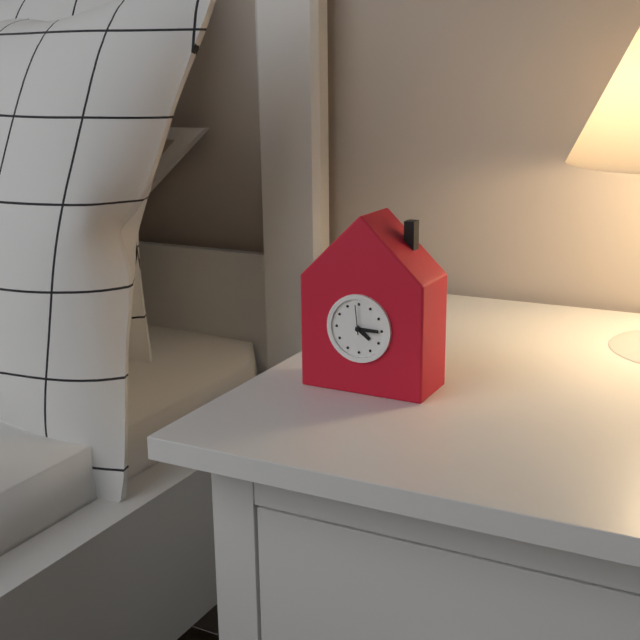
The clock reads 4,15
